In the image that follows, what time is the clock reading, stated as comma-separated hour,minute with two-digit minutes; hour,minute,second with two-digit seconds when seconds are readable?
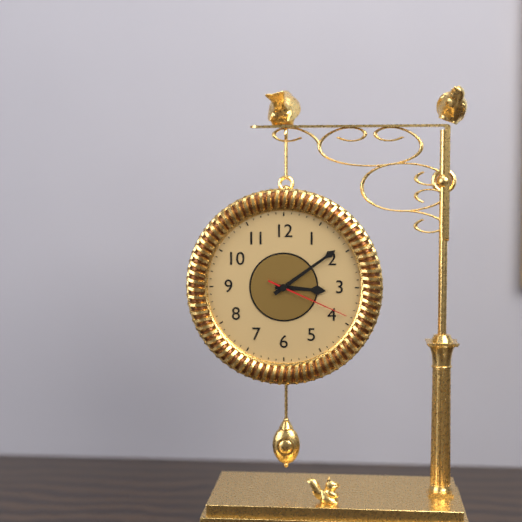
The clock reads 3,09,19
